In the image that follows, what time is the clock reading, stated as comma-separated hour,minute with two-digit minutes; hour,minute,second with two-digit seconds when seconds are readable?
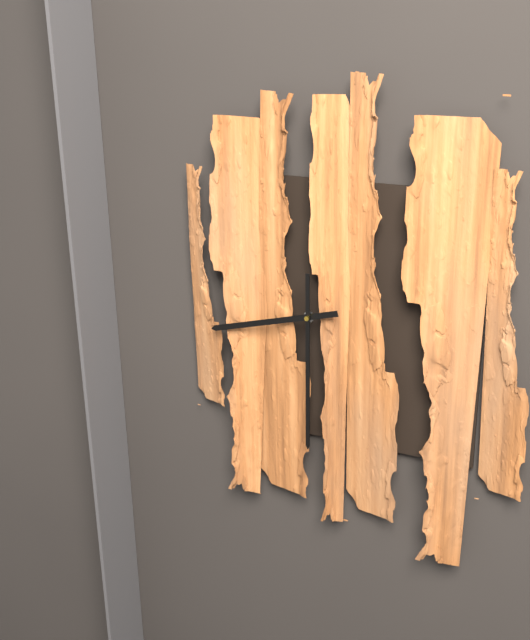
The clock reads 8,30
